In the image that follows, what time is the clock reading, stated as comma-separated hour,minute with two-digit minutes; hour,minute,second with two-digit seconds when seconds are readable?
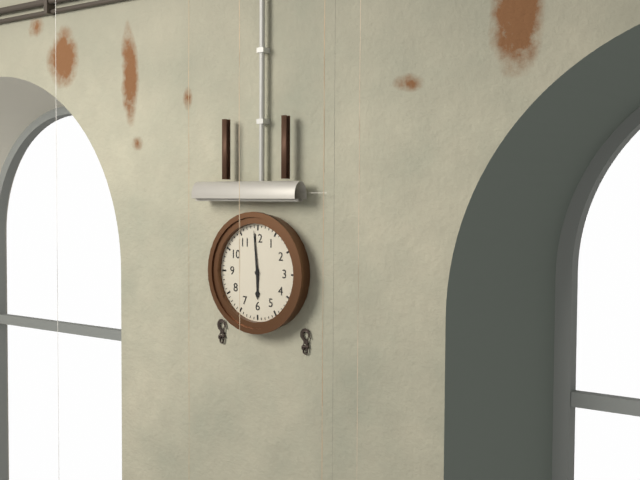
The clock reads 5,59
